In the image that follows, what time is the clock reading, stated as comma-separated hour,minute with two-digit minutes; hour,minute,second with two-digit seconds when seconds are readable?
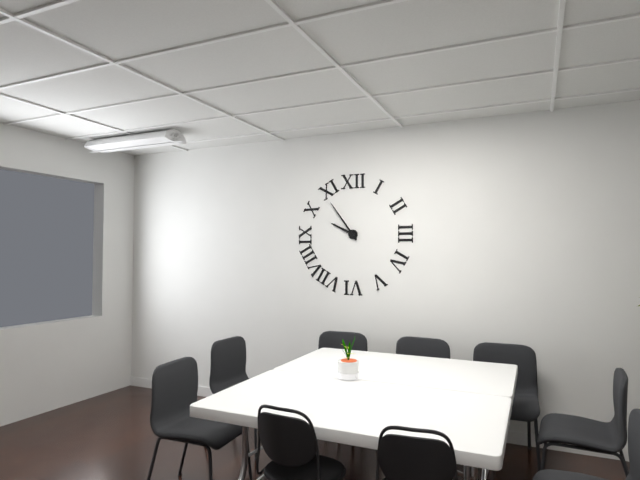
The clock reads 9,54
